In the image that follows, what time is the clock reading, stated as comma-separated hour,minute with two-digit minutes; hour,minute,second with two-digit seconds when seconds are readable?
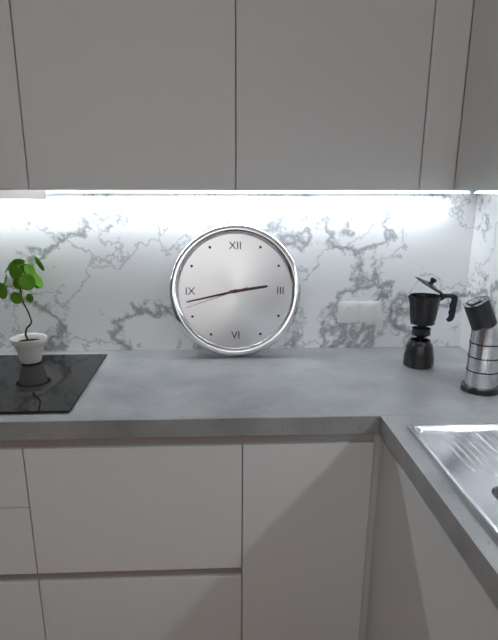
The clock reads 2,43,42
